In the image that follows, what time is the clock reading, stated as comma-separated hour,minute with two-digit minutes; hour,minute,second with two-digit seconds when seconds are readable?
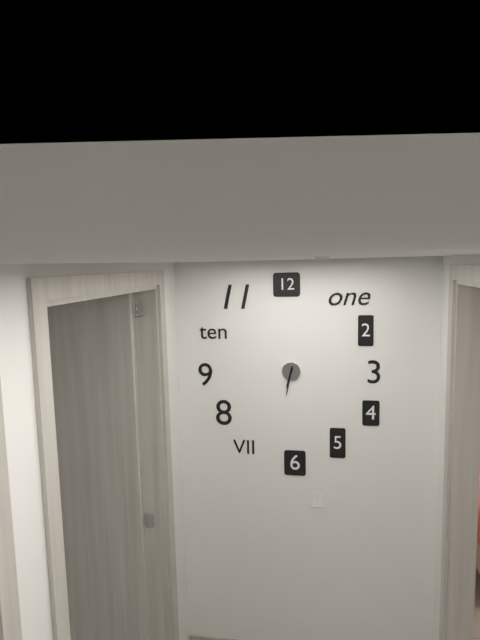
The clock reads 6,32
